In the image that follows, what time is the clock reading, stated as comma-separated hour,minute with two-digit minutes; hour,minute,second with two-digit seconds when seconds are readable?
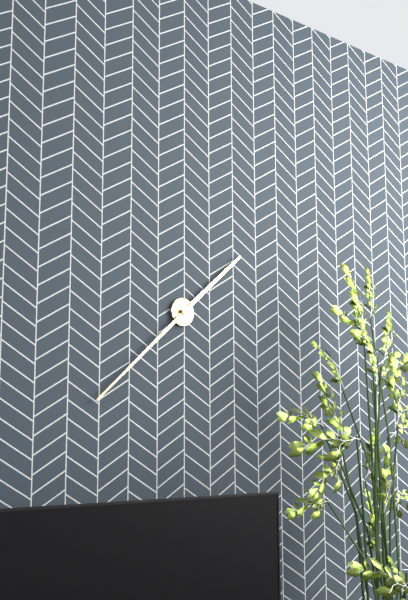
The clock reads 1,38
